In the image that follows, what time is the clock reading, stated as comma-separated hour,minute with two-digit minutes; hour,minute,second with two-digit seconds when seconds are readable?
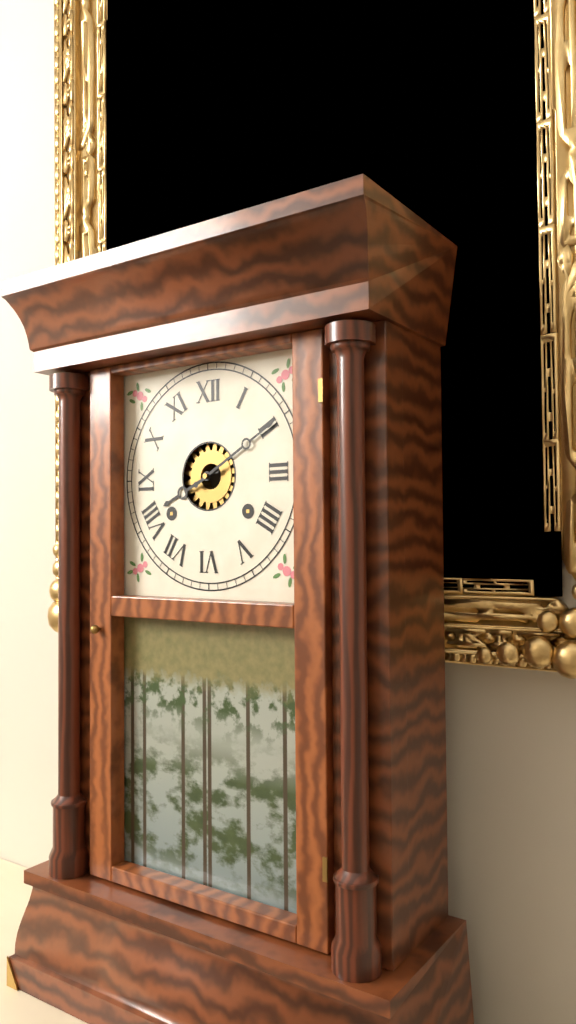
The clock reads 8,10
